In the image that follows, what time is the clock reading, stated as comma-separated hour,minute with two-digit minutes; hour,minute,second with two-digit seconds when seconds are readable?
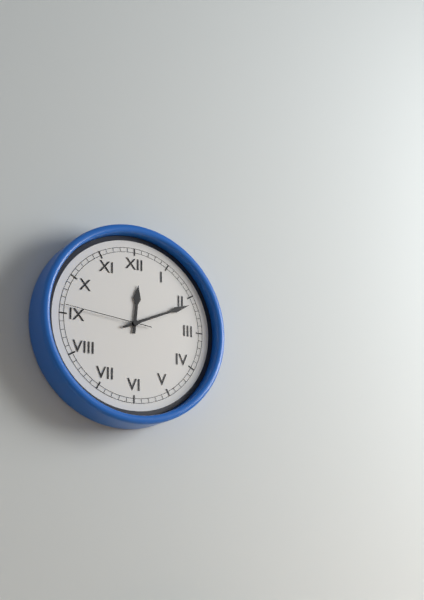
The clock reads 12,11,46
